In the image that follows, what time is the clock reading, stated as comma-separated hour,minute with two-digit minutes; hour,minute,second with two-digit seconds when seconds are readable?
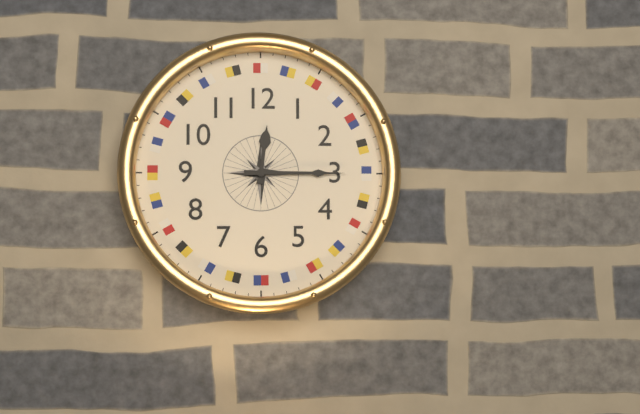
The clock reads 12,15
